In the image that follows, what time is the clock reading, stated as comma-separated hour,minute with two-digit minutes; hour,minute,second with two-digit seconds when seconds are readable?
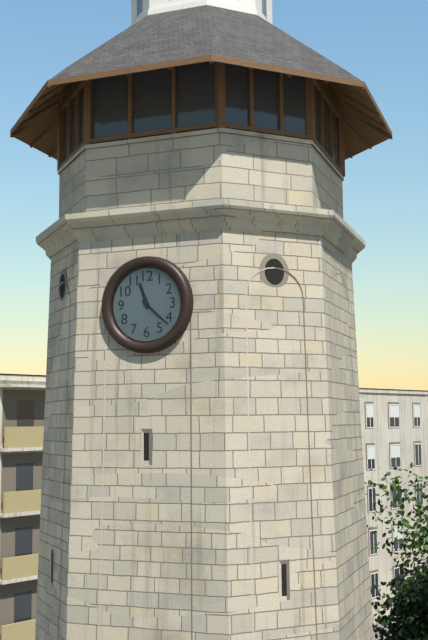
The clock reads 11,22
